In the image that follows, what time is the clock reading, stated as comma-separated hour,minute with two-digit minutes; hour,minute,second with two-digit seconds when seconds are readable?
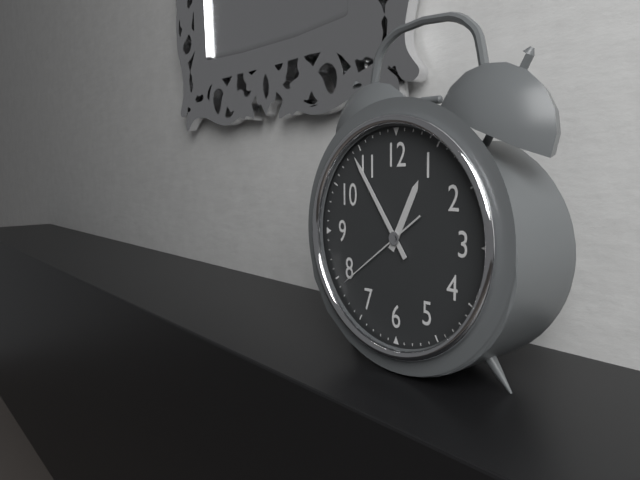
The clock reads 12,54,39
